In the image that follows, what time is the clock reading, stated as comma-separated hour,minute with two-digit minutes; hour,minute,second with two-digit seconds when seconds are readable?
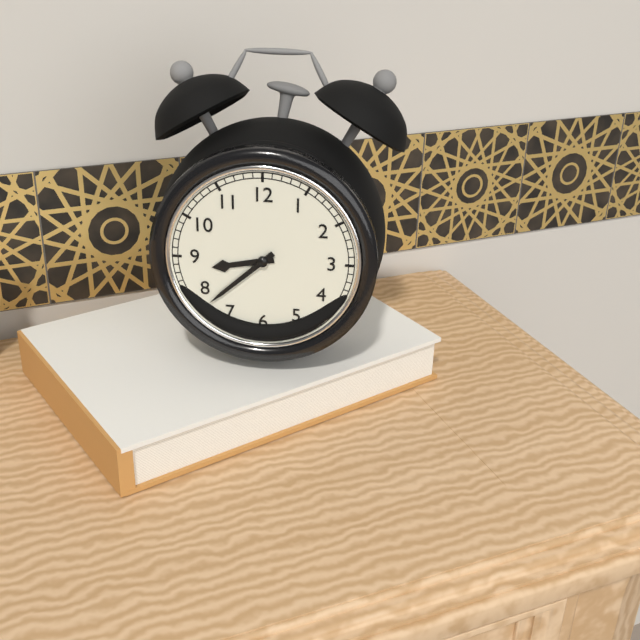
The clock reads 8,38
